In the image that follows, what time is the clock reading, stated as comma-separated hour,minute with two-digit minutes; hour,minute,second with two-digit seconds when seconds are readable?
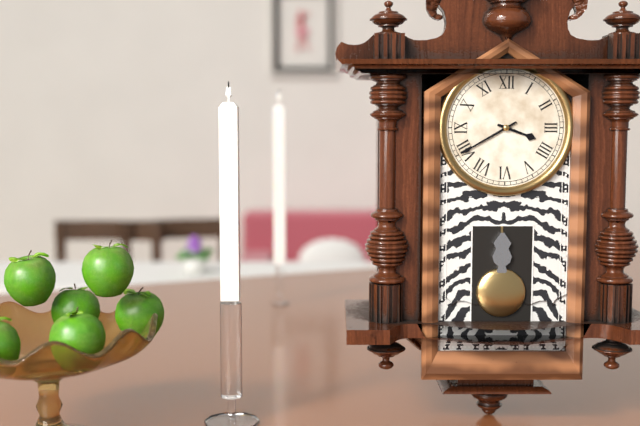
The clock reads 3,40
